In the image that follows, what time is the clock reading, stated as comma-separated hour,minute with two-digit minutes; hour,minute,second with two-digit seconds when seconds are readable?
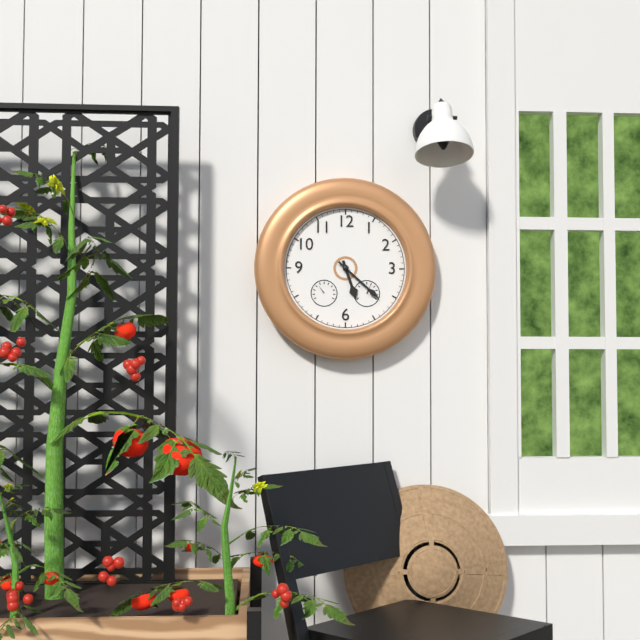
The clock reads 5,22
